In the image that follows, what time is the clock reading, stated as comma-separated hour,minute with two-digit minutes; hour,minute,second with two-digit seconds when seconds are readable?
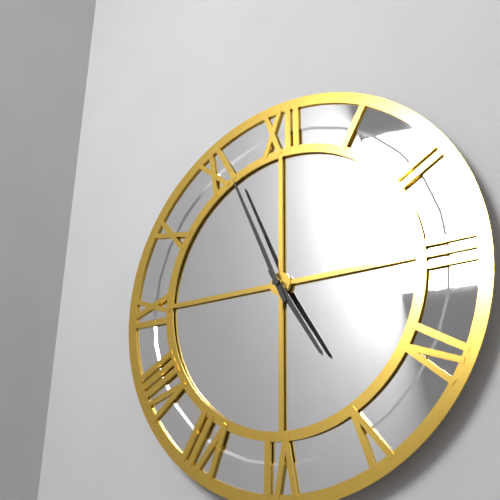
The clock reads 4,56
